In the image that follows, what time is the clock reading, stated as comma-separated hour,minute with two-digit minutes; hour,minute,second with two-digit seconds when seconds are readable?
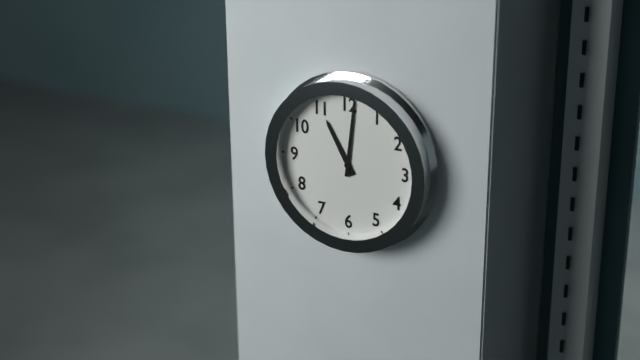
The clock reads 11,01
